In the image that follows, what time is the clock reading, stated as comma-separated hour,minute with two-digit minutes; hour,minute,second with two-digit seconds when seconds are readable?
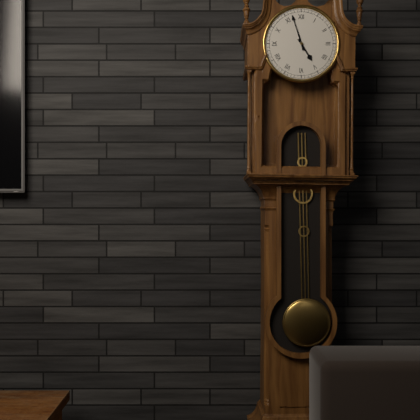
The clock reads 4,57
